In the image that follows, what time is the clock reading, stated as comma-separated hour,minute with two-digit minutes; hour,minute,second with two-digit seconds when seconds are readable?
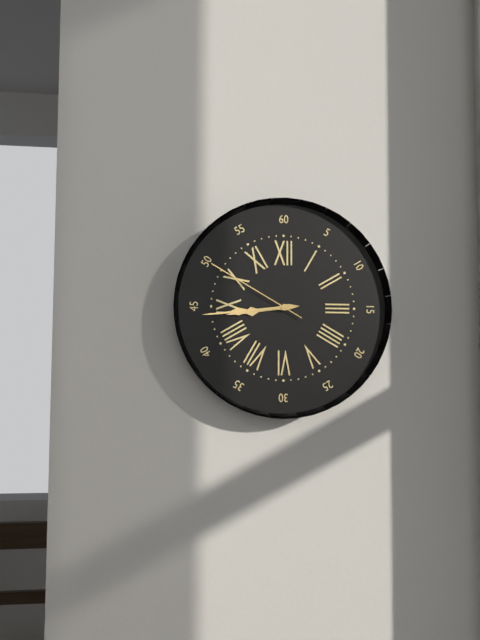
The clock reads 8,44,50
